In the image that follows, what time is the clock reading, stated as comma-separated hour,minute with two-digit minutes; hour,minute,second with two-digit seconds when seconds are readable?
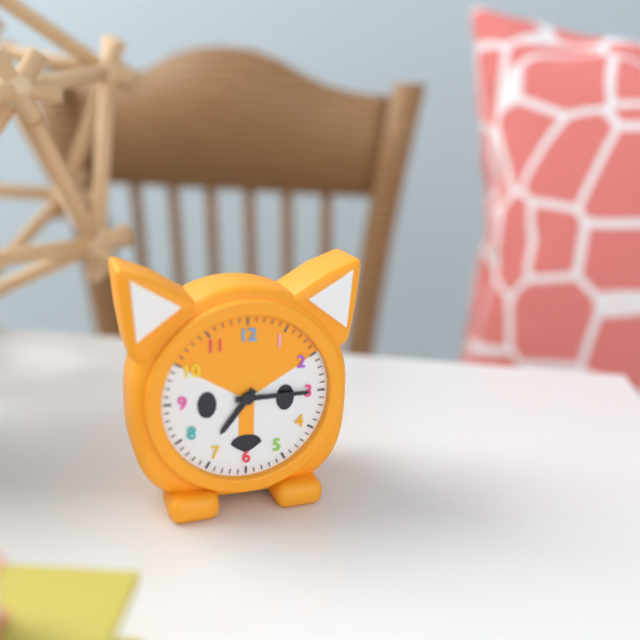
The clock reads 7,15
